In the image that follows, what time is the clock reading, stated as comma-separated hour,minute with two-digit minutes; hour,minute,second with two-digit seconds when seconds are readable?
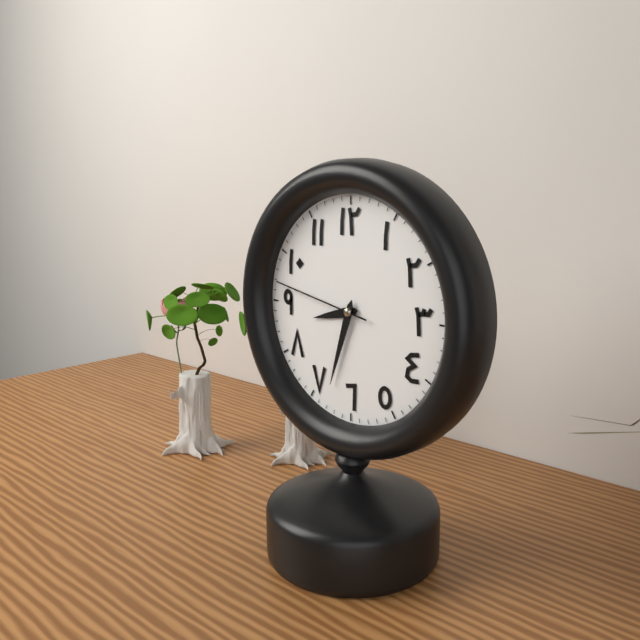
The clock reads 8,33,47
